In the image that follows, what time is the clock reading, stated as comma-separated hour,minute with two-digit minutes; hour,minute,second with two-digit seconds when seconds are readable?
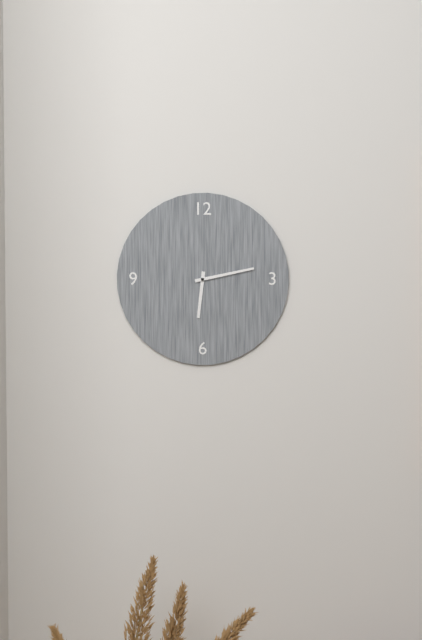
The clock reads 6,13
